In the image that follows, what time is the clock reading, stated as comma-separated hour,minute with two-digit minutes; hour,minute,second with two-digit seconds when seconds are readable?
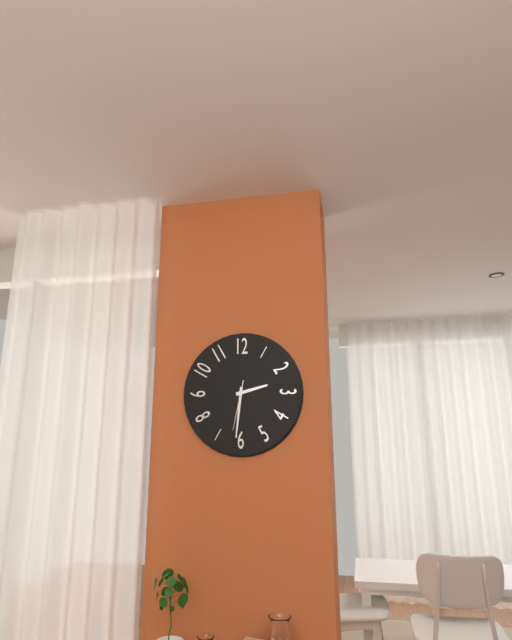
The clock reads 2,31
